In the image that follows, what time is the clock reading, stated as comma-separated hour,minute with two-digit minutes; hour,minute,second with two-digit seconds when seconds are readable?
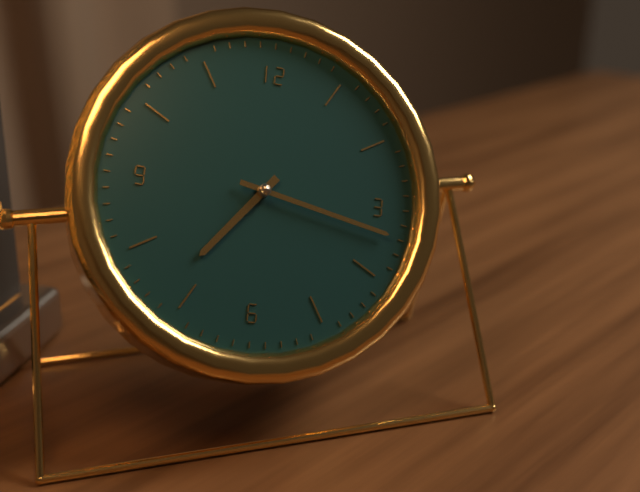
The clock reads 7,17
